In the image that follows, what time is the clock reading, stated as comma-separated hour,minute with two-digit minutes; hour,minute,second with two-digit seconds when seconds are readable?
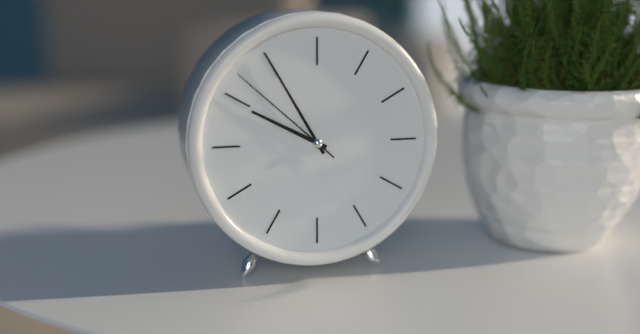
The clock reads 9,55,52
